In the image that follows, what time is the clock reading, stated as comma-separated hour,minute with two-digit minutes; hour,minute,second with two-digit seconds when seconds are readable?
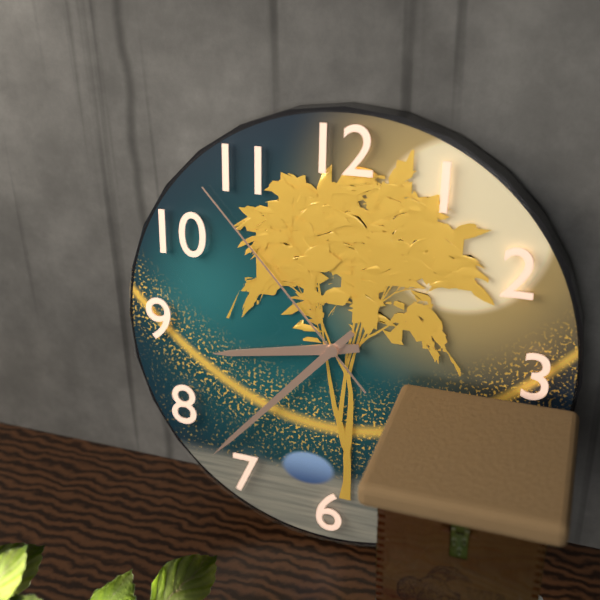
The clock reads 8,37,53
